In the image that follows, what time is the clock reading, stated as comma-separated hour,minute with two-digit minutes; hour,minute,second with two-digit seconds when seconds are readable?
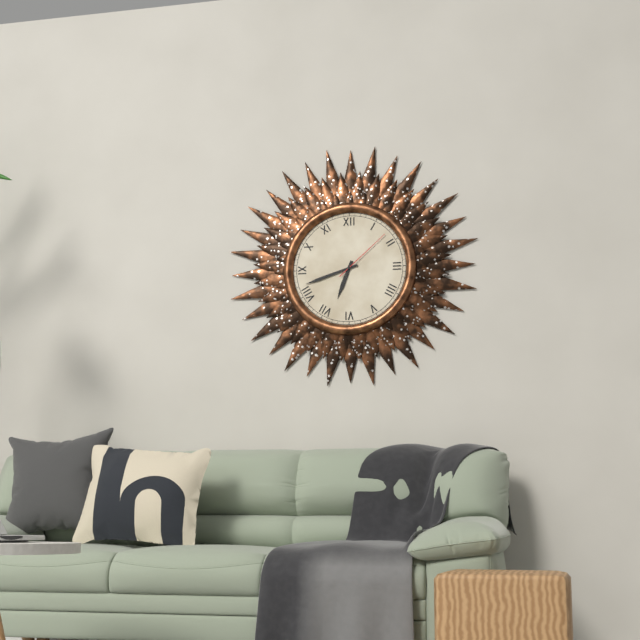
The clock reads 6,42,08
